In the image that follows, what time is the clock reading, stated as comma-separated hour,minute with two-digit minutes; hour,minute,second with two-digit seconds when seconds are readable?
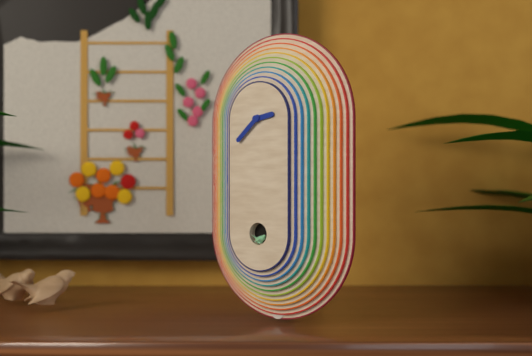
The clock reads 2,38
